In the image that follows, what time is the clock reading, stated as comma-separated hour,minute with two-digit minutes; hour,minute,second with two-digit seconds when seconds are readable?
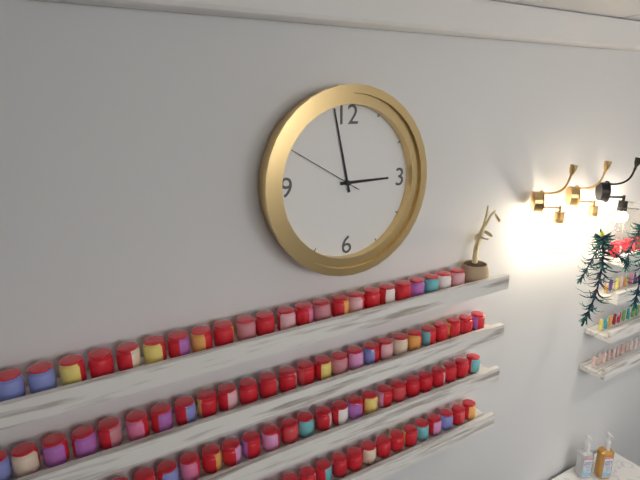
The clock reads 2,58,50
